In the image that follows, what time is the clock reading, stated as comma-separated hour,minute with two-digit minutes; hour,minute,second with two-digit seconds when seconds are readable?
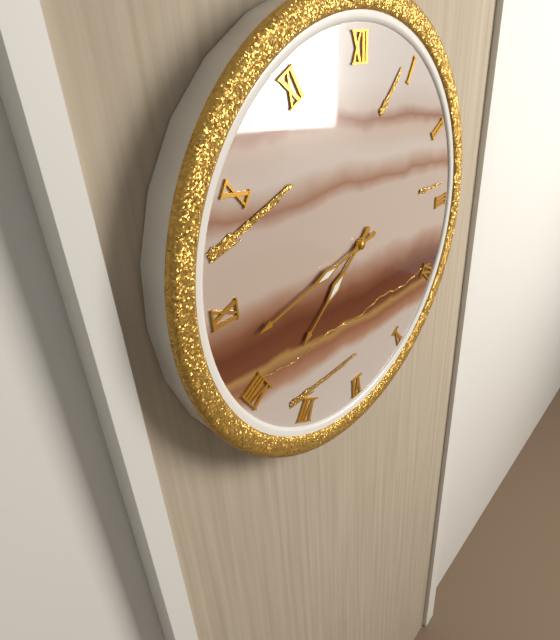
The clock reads 7,43
